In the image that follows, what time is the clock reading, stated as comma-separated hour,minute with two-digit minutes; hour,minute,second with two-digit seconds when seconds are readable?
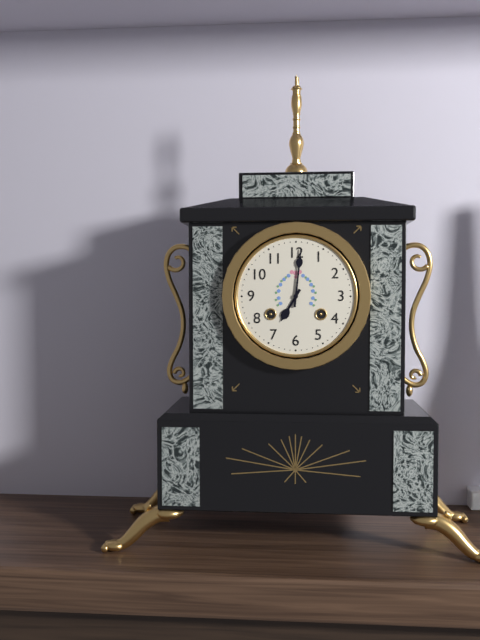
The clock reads 7,01
